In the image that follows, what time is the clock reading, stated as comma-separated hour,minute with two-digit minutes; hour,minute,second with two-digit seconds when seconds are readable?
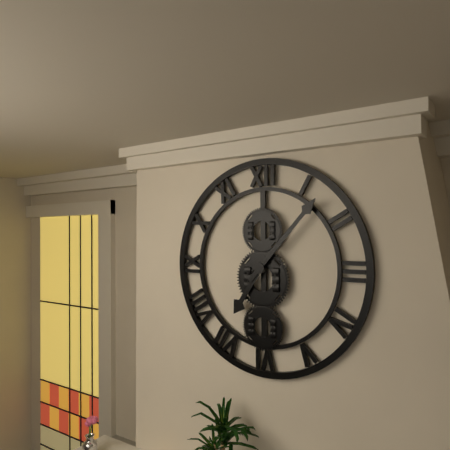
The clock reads 7,07
